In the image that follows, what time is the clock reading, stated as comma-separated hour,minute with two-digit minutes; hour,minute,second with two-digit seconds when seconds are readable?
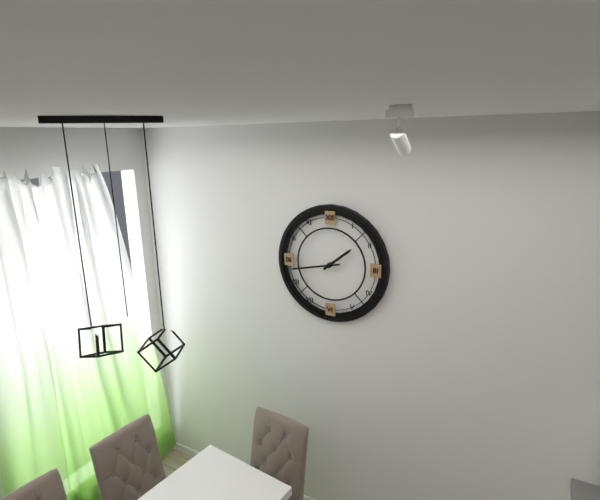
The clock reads 1,43
